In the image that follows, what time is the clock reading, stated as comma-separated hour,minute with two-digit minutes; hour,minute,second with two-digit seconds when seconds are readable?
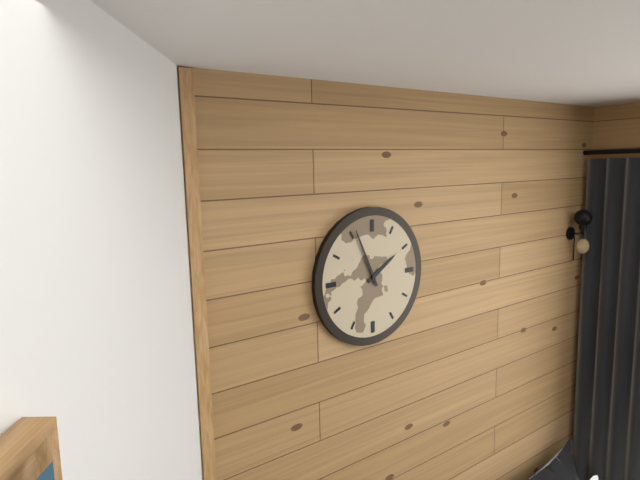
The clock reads 1,56
